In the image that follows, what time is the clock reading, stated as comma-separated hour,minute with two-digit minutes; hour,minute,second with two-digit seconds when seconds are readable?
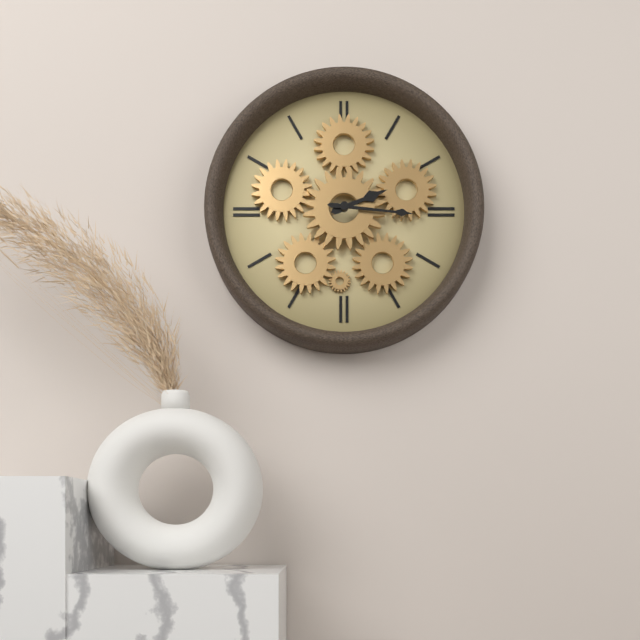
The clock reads 2,16
